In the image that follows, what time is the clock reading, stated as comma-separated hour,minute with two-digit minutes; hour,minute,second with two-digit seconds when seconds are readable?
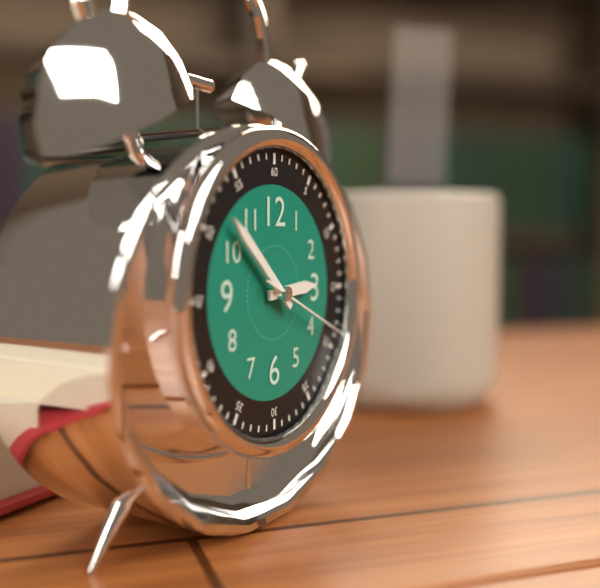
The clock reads 2,52,19
